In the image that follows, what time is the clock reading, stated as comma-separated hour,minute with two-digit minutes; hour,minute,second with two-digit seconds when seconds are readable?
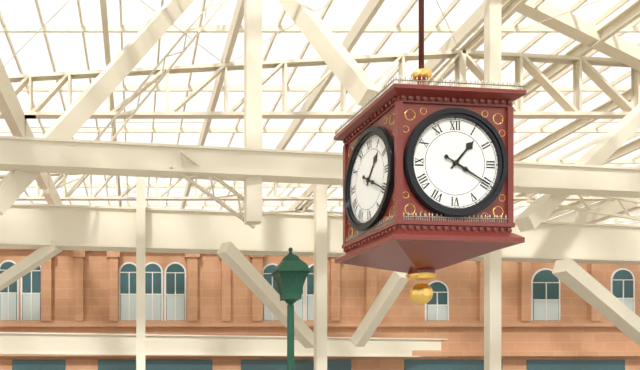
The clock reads 1,20
